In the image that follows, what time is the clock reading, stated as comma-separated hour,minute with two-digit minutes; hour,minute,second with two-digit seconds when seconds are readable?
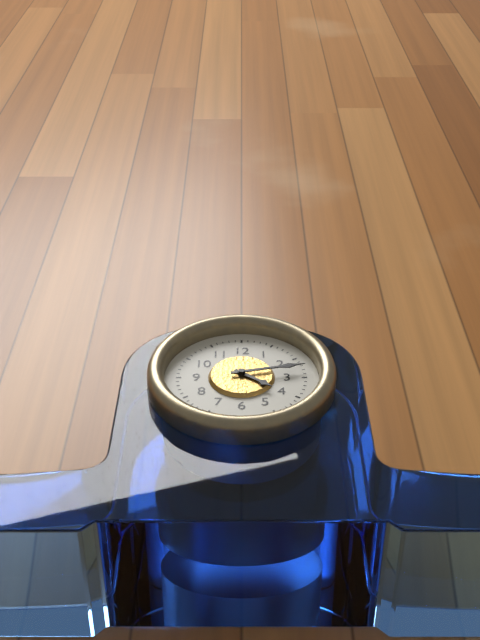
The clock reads 4,13
